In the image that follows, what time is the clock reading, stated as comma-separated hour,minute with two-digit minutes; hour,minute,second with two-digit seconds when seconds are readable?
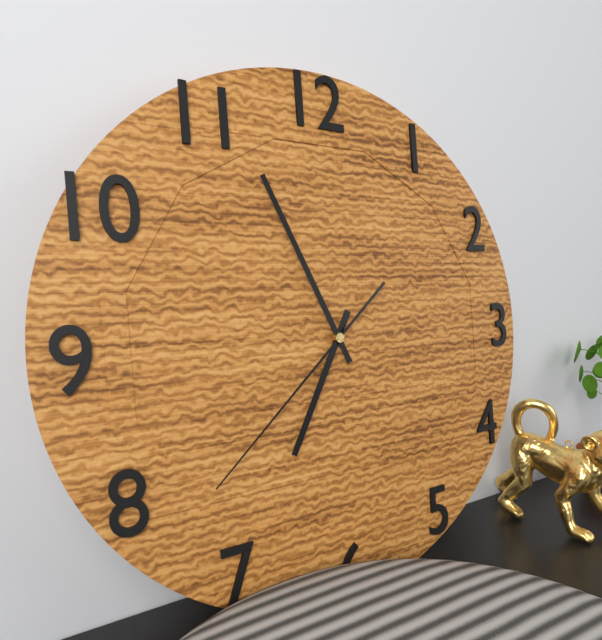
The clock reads 6,56,38
